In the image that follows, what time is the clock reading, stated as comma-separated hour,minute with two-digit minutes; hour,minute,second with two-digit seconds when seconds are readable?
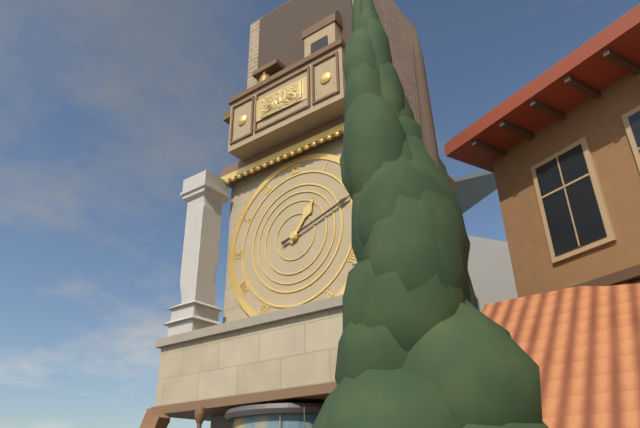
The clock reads 1,12
